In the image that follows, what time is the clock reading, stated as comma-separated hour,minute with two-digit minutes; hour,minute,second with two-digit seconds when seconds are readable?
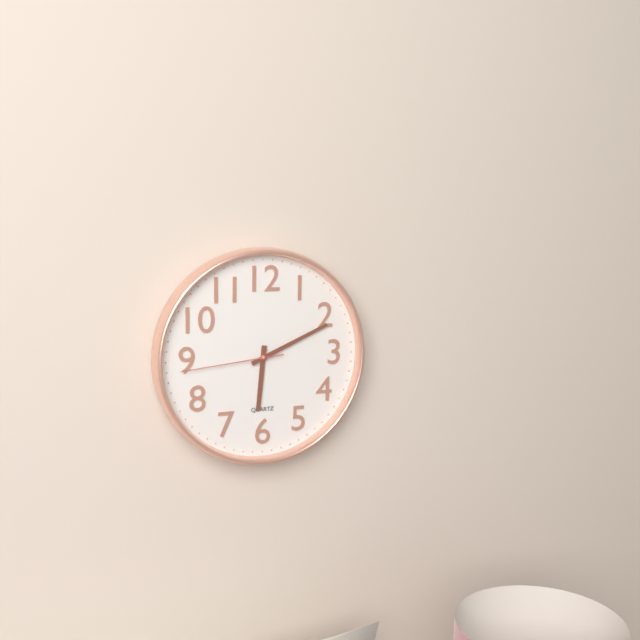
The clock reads 6,11,44
